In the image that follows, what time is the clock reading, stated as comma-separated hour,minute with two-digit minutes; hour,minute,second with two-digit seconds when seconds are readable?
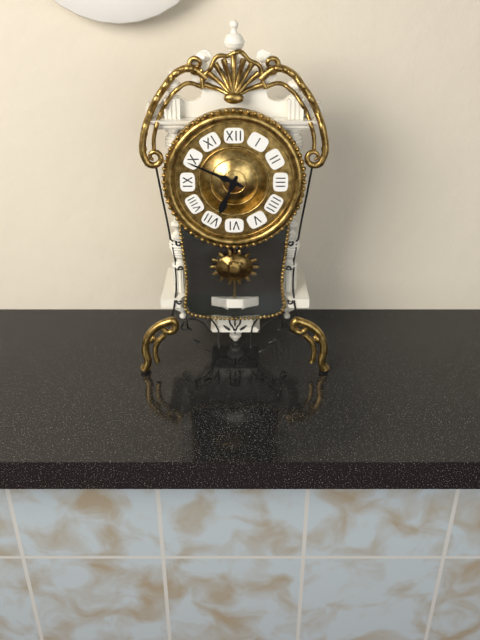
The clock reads 6,49
